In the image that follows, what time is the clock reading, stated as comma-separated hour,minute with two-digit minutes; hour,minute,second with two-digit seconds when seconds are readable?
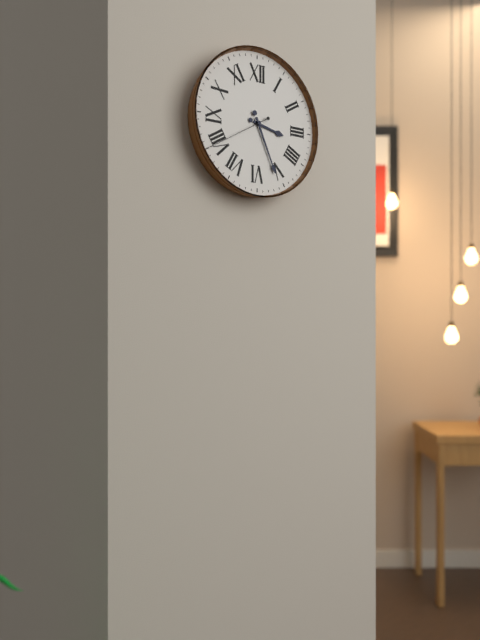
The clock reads 3,26,40
